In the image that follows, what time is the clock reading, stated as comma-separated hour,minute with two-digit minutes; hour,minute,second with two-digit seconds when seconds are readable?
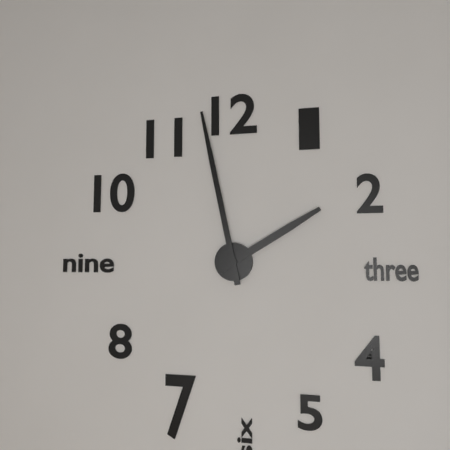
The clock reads 1,58
